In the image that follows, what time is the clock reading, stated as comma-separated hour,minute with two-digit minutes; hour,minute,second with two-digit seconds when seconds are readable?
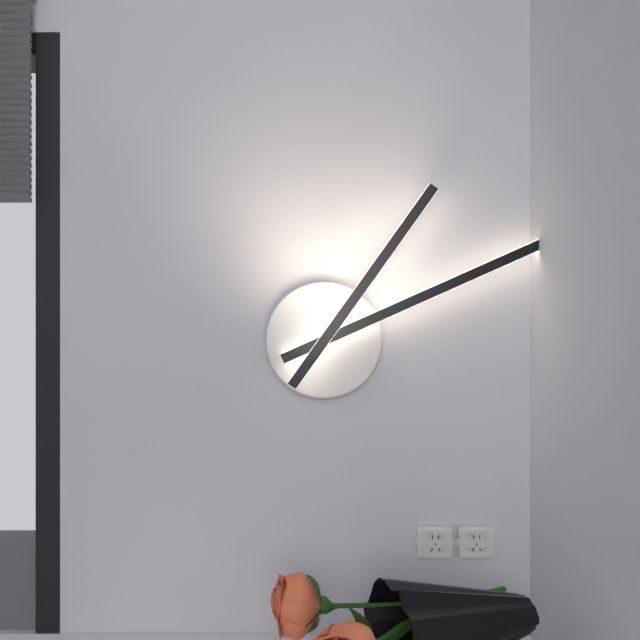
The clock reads 1,11
